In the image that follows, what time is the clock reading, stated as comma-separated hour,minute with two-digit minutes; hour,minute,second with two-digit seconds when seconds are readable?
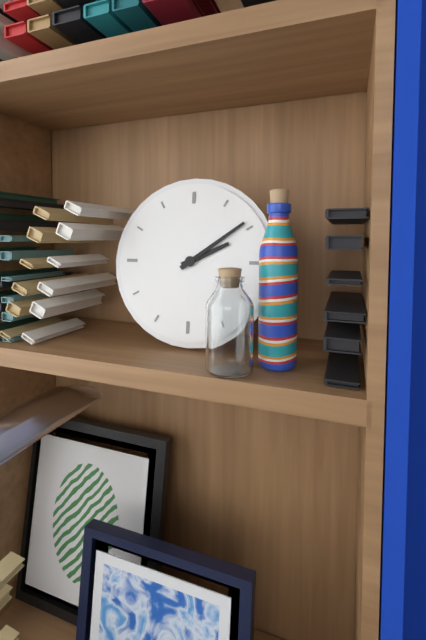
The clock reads 2,09
